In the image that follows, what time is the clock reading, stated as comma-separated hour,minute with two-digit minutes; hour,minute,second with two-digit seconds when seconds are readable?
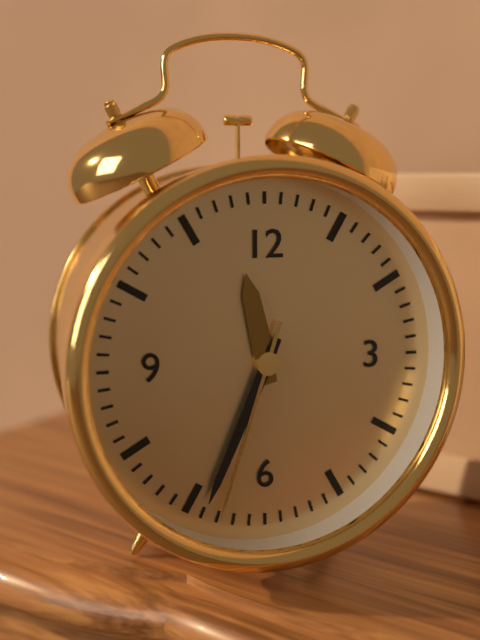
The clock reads 11,34,33
